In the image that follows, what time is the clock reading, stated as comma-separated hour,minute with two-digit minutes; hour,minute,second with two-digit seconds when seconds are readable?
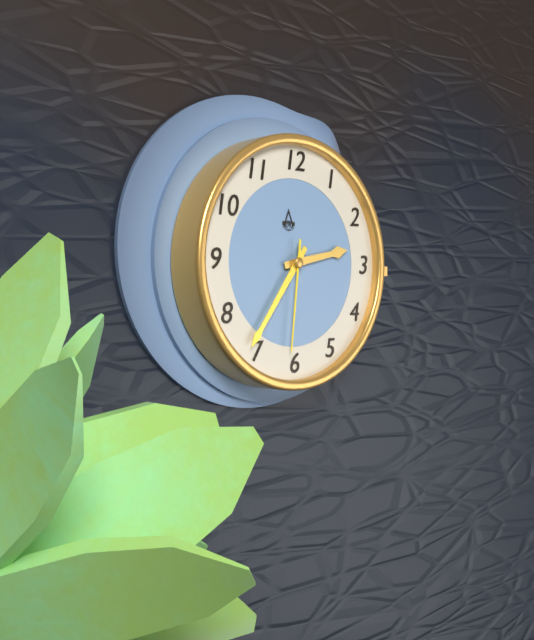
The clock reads 2,36,31
